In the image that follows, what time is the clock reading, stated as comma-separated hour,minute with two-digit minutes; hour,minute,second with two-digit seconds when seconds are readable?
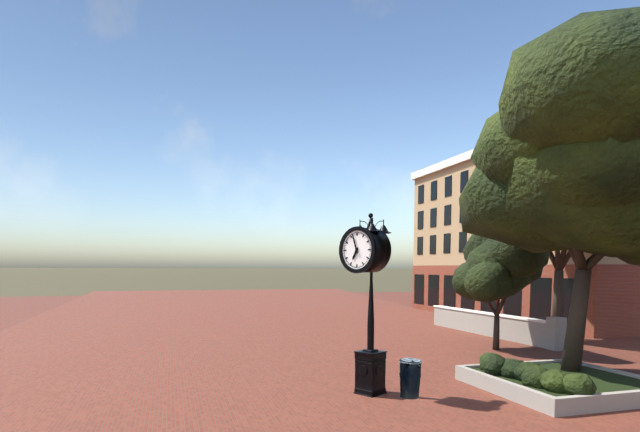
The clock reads 6,57
